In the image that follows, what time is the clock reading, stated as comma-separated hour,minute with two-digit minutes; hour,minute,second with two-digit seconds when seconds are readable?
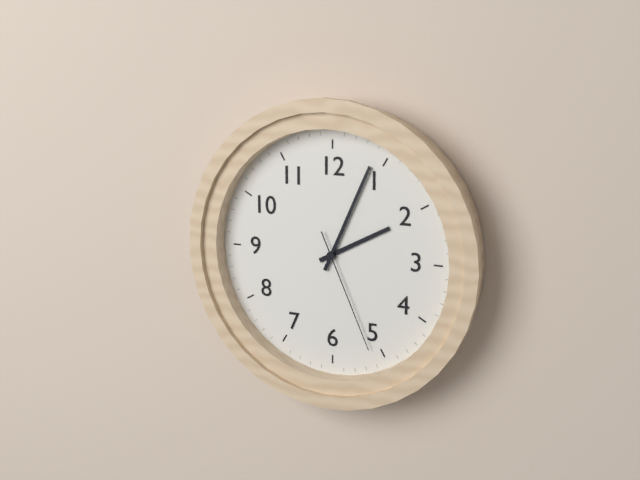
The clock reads 2,04,26
